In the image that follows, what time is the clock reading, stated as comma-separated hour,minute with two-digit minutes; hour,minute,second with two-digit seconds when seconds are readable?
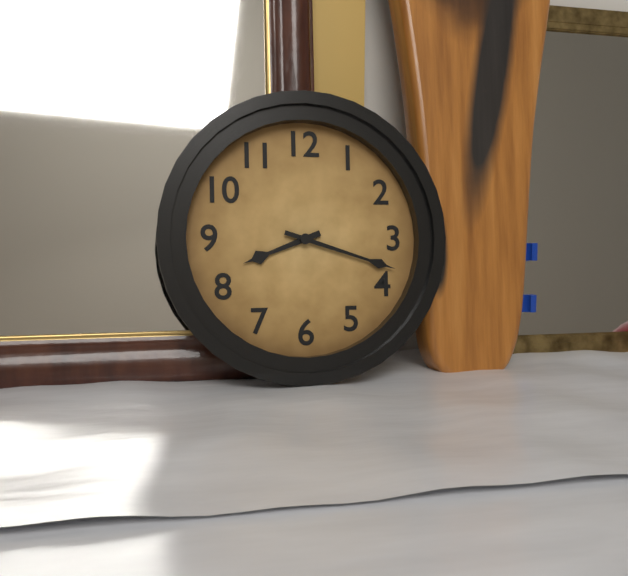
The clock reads 8,18
